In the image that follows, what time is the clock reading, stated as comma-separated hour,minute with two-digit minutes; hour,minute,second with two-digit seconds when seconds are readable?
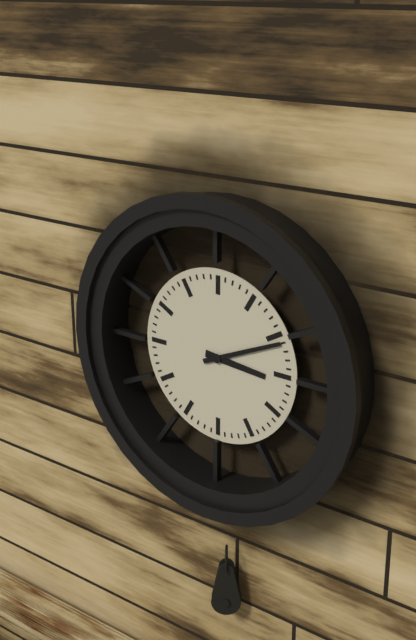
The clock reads 3,11
